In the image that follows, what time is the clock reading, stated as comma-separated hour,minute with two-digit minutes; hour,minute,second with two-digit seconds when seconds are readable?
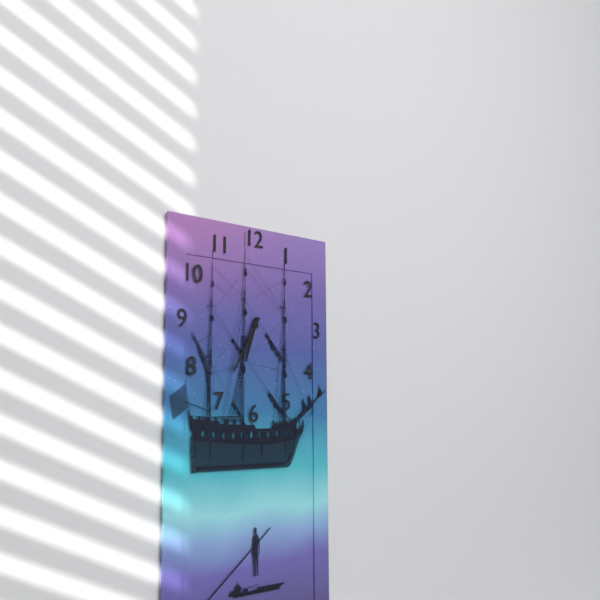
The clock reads 6,35
